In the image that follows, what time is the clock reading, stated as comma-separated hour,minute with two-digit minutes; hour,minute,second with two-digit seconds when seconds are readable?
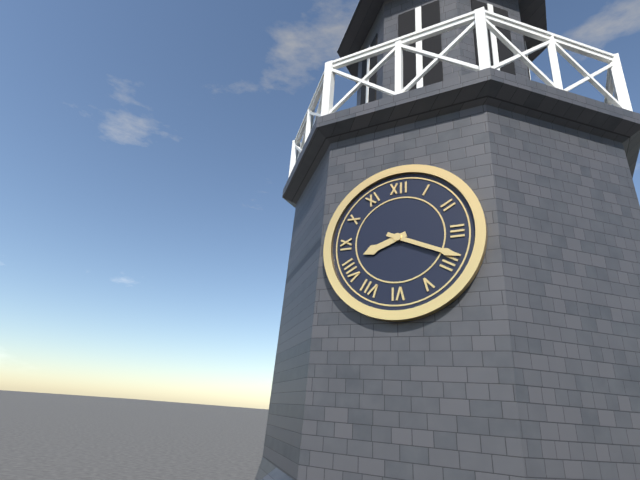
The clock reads 8,19
